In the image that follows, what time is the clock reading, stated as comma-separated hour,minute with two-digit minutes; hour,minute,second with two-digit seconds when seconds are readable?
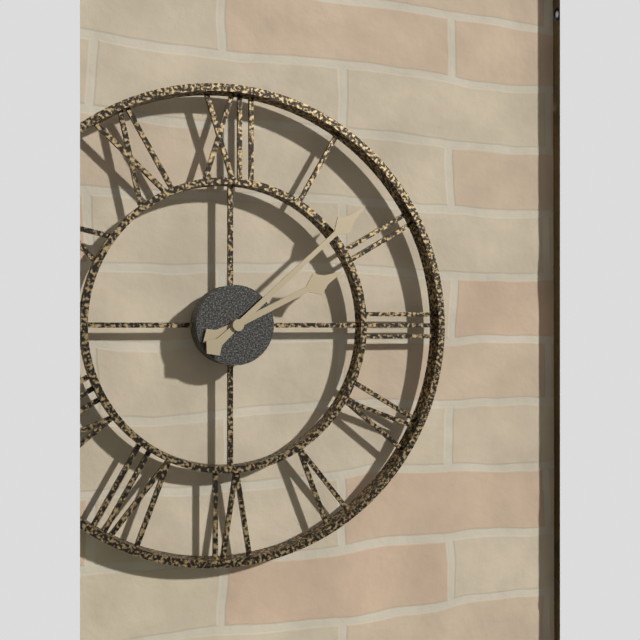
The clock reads 2,08
